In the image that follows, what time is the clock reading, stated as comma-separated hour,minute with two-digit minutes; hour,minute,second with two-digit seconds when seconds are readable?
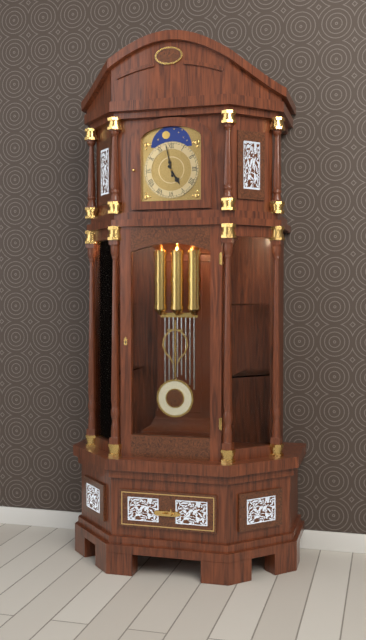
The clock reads 4,58
